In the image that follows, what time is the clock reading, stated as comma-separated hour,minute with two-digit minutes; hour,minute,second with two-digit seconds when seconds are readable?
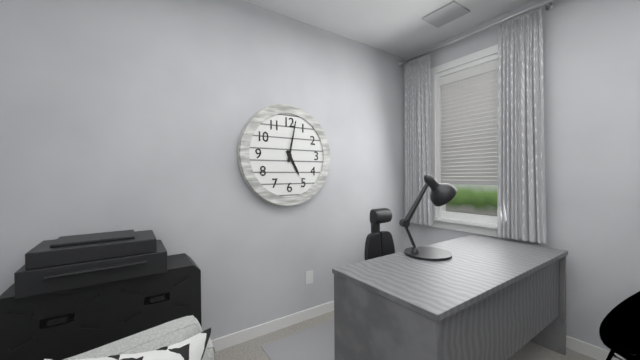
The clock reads 5,02
